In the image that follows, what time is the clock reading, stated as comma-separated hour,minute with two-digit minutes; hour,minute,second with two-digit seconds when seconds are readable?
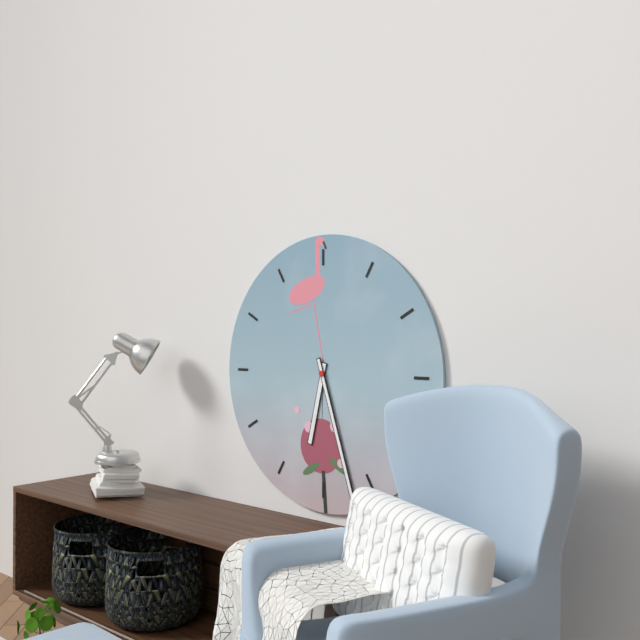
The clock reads 6,27
